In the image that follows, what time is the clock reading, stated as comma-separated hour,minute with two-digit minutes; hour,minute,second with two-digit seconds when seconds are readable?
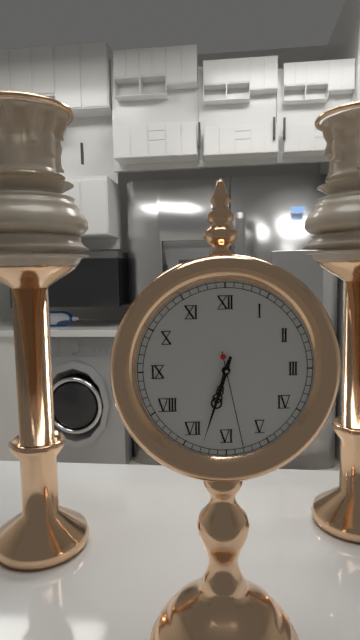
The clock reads 6,33,28
